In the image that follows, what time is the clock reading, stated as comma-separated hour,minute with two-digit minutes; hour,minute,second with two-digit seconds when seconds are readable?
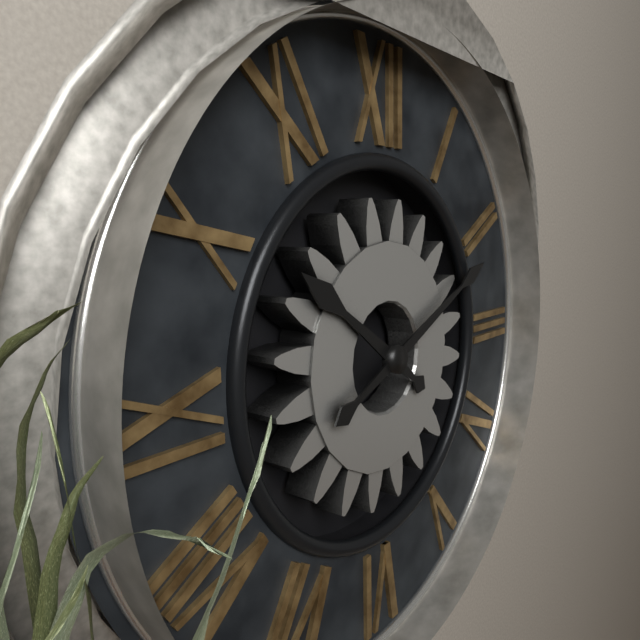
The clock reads 10,11
